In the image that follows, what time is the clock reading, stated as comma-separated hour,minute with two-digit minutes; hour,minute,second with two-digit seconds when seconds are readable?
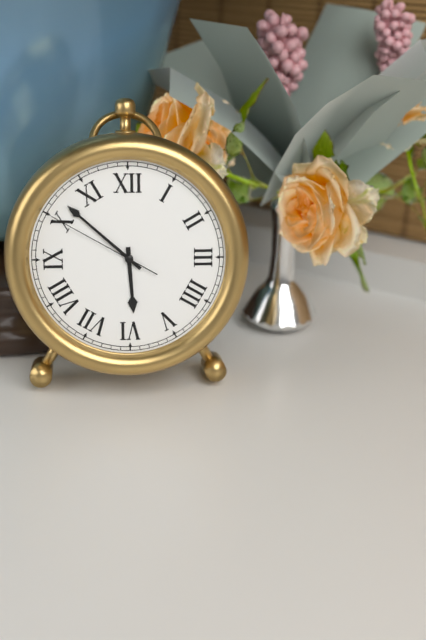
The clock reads 5,52,50
